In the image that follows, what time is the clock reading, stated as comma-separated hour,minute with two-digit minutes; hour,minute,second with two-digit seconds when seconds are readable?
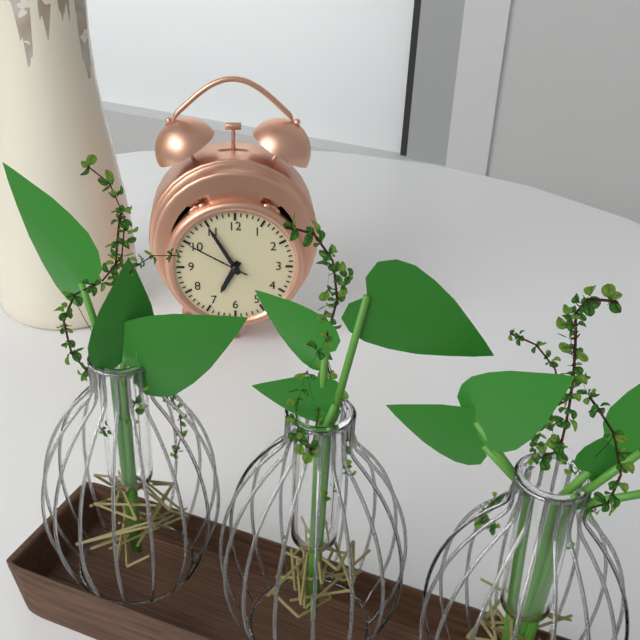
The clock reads 6,55,50
